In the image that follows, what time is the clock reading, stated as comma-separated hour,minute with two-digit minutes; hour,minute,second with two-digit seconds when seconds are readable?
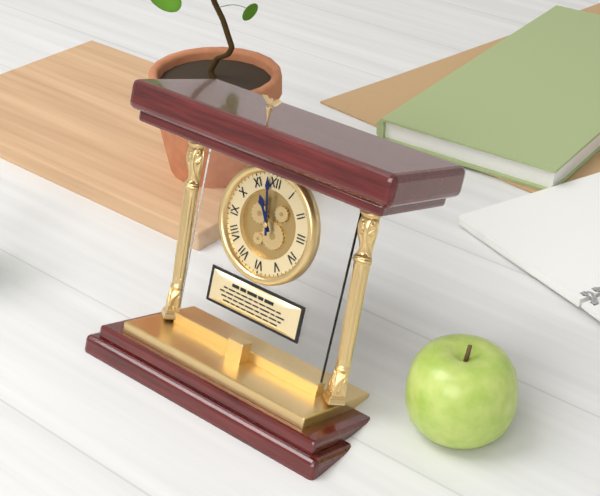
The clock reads 10,58
